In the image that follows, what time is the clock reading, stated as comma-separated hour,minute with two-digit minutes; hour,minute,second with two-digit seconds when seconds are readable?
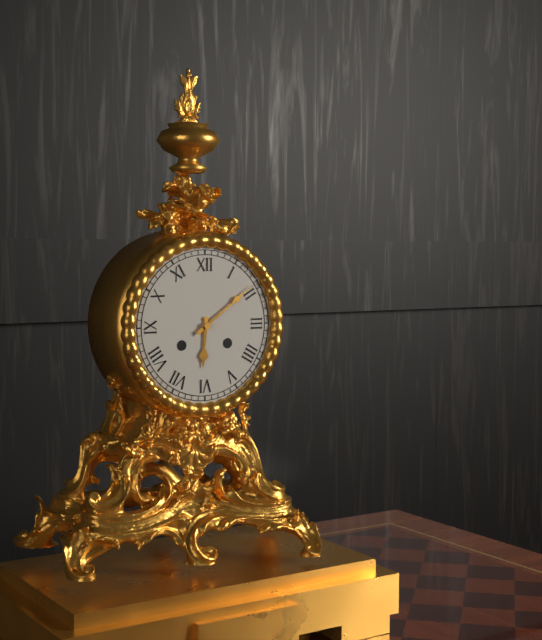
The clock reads 6,09
